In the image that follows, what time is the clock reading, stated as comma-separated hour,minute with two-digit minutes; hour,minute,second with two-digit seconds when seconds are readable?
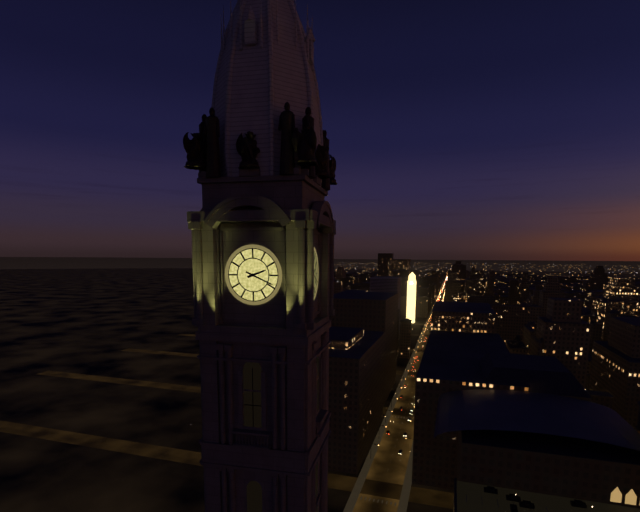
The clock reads 2,19
